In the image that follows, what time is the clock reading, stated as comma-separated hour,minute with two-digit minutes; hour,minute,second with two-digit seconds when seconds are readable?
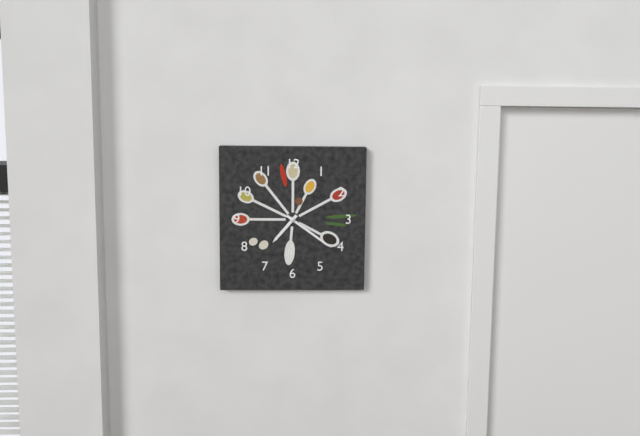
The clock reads 7,21
